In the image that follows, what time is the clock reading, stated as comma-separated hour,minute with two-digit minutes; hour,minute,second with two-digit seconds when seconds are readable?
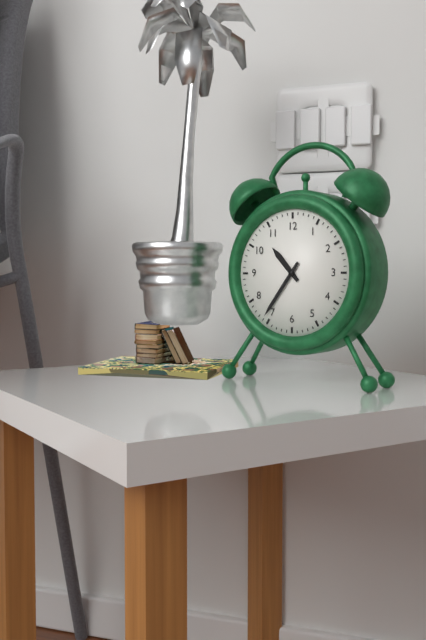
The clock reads 10,36
